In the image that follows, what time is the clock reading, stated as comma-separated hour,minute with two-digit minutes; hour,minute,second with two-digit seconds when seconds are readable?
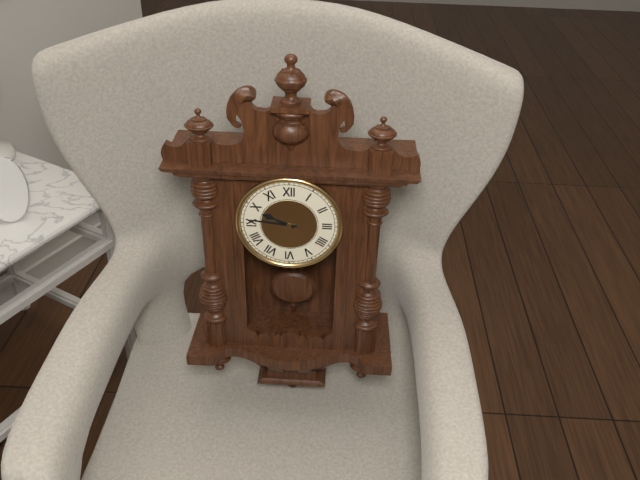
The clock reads 9,46
